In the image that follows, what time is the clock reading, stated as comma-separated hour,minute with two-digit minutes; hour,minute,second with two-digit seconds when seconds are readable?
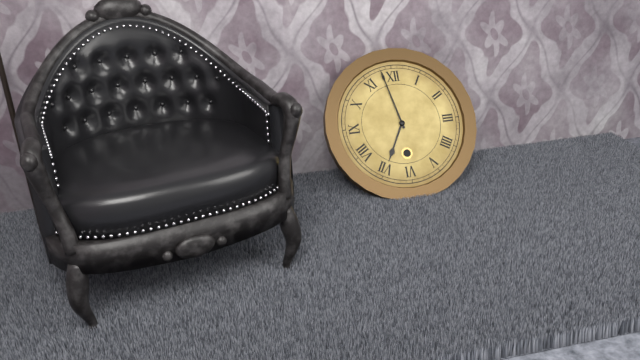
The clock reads 6,58
